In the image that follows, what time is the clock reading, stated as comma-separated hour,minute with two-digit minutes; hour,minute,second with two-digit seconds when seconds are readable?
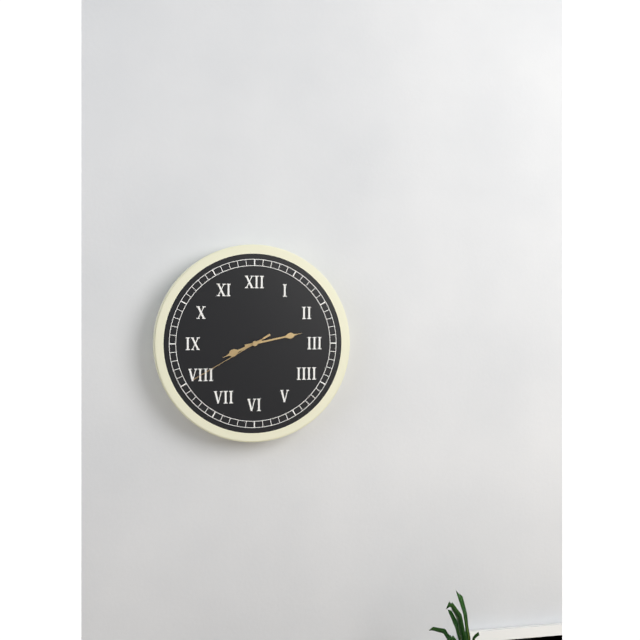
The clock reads 8,13,40
